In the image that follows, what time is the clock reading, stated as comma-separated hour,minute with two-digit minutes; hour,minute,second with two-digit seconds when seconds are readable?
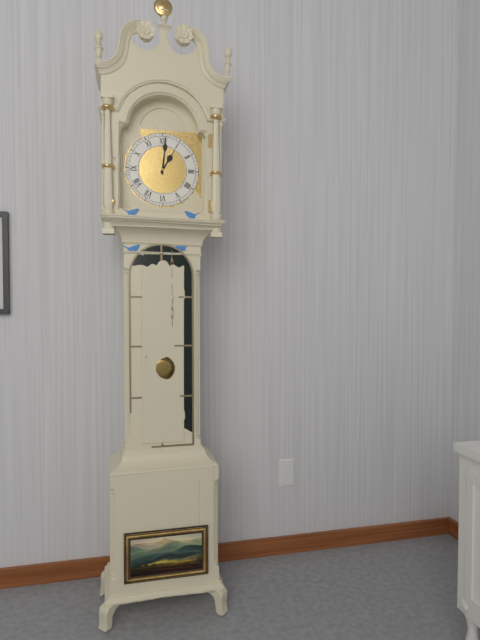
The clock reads 1,01
